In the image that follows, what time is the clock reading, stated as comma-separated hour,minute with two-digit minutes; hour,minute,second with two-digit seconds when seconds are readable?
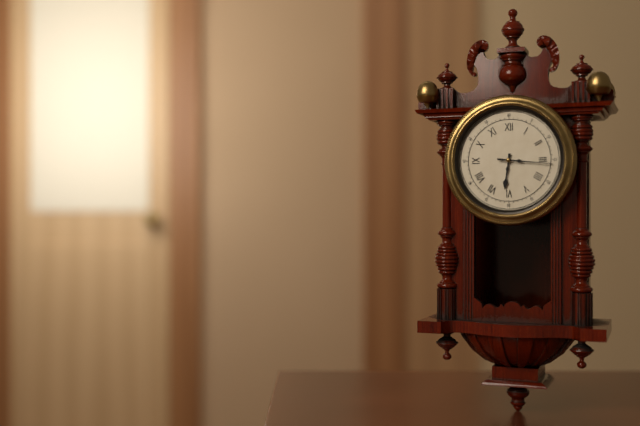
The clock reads 6,16
